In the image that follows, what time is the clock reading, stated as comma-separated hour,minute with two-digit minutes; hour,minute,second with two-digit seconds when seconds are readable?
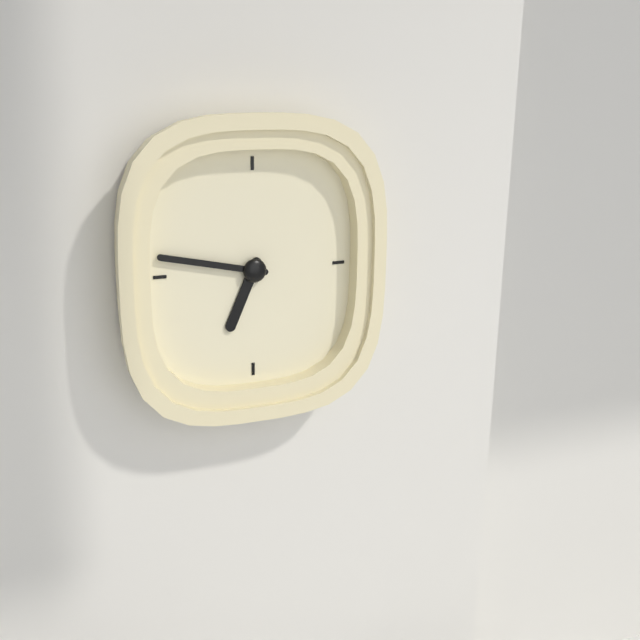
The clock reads 6,47
